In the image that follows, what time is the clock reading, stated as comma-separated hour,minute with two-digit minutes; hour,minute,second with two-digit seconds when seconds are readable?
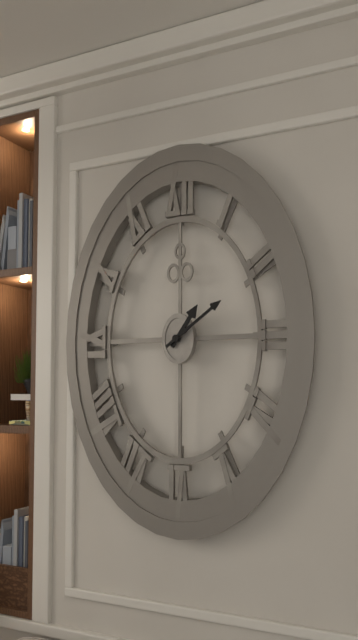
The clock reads 1,09
